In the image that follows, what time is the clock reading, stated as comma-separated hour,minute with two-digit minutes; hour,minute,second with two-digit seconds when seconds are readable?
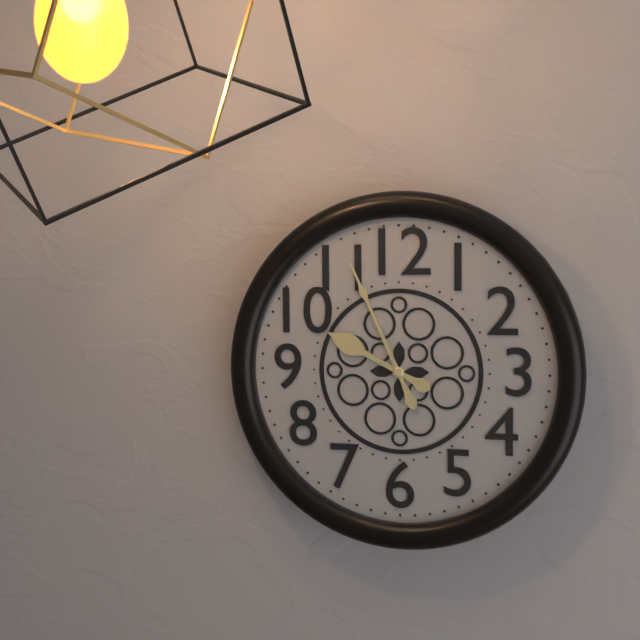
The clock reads 9,56
